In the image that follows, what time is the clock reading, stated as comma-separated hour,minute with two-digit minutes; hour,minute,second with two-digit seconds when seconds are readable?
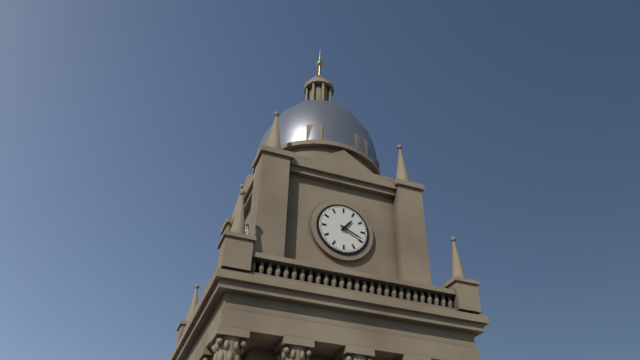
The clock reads 1,19
